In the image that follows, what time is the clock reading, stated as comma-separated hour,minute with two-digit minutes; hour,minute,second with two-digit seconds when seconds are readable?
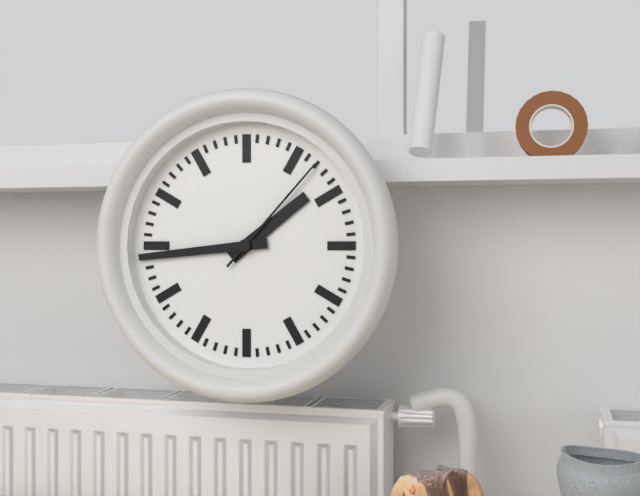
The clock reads 1,44,07
